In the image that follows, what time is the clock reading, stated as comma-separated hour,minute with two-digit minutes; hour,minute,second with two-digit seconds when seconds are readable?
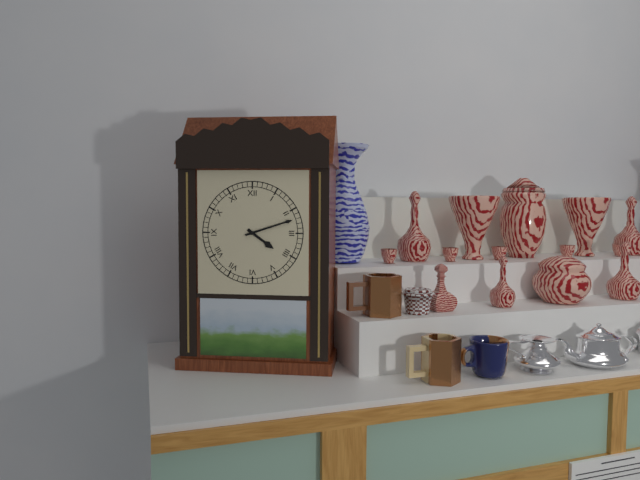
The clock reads 4,12
